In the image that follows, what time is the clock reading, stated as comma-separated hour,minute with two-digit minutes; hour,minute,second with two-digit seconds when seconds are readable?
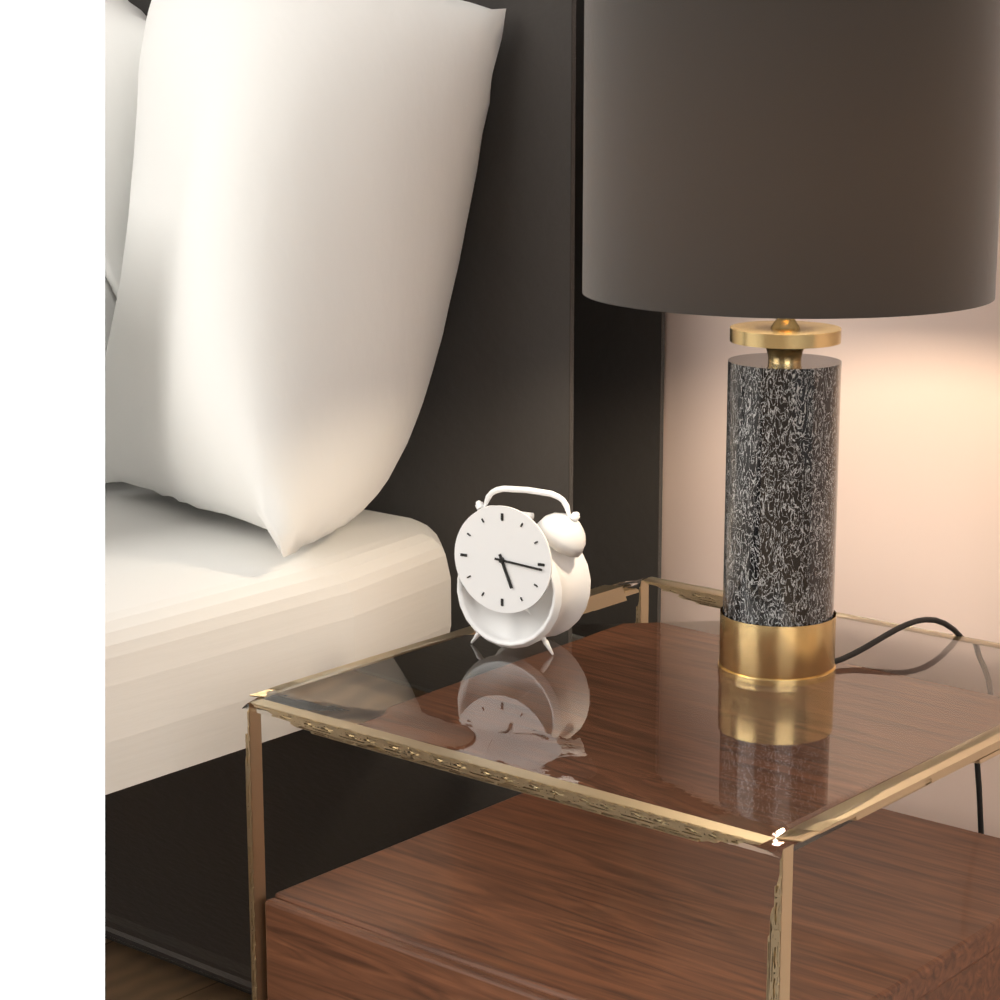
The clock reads 5,16
